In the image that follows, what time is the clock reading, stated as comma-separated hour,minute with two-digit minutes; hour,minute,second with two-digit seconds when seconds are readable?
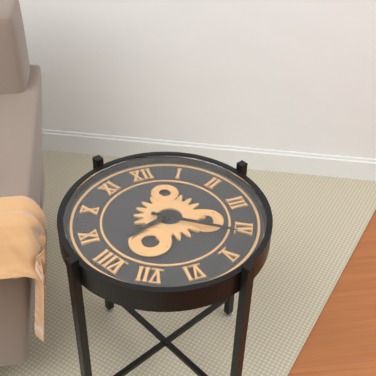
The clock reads 8,21
